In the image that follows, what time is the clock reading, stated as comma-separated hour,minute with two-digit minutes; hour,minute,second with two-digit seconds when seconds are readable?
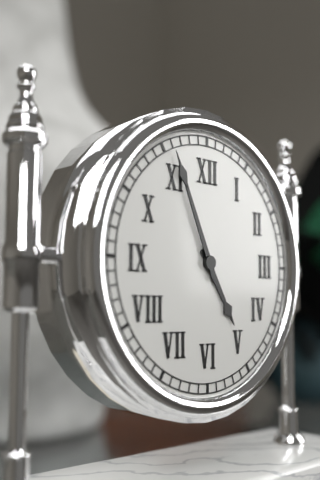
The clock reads 4,56
